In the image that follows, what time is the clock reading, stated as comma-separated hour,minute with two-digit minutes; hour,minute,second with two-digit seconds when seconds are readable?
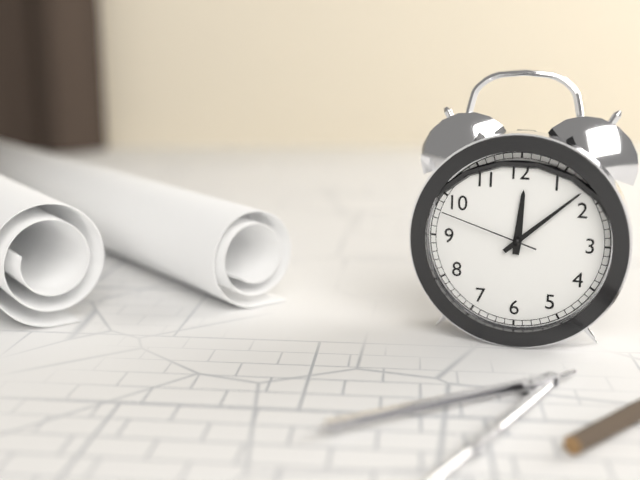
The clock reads 12,08,48
